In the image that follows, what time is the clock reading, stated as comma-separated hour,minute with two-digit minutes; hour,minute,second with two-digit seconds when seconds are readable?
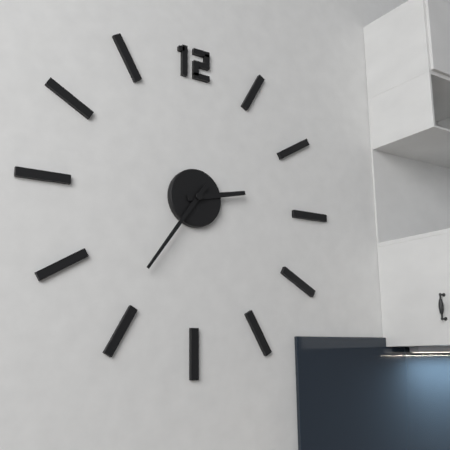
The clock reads 2,36
